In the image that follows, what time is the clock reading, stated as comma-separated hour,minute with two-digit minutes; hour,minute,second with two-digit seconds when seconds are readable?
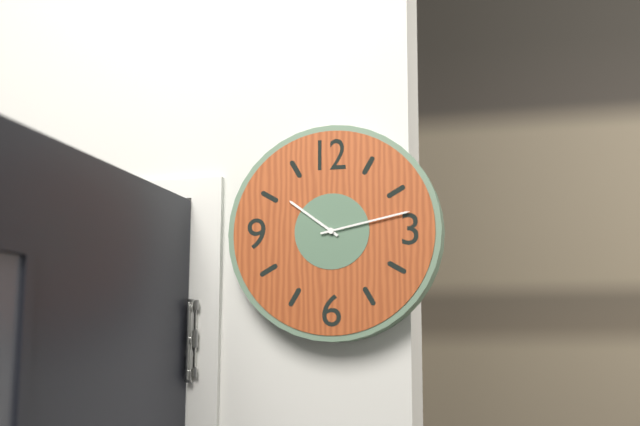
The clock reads 10,13
